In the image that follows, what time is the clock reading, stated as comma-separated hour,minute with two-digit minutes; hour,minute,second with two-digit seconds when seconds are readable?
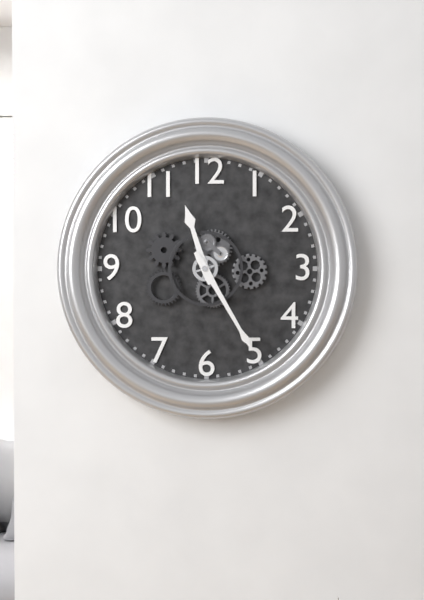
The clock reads 11,25
